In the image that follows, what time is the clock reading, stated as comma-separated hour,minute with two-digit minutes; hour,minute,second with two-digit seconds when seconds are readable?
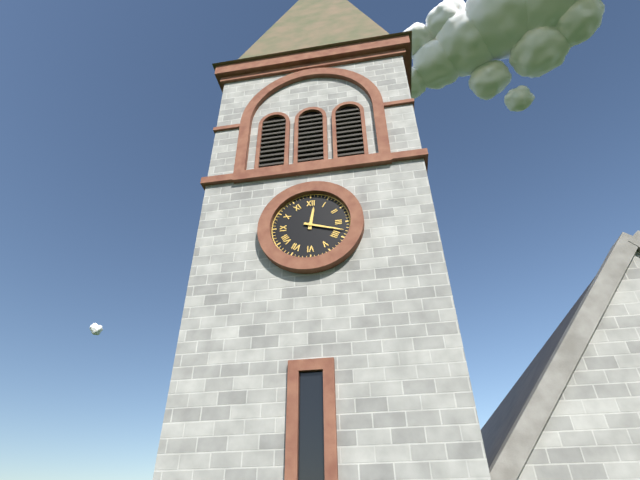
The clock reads 12,18
